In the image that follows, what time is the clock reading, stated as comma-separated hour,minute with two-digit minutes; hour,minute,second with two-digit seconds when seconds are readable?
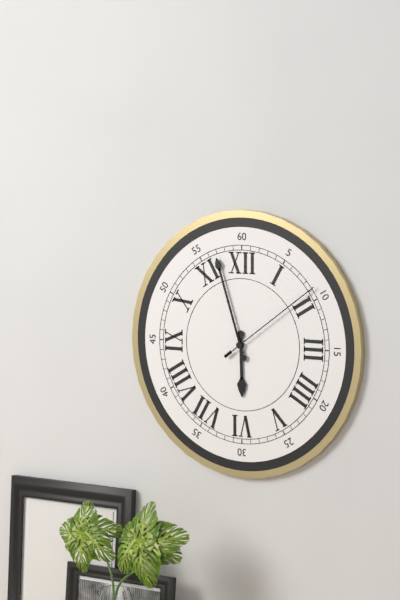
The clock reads 5,57,09
